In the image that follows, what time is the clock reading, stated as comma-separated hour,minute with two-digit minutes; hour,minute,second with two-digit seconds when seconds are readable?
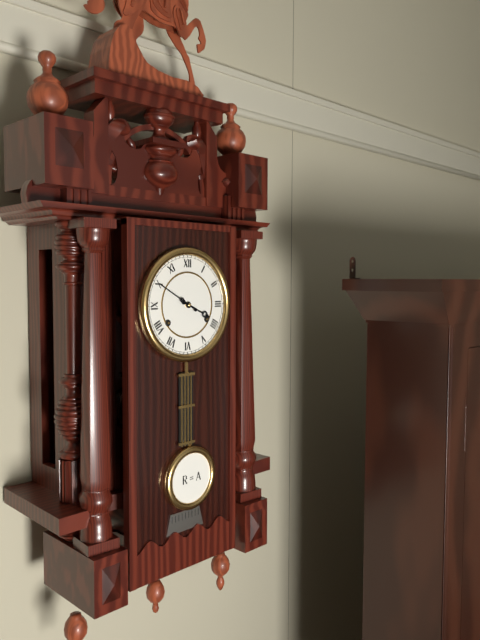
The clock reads 3,50
